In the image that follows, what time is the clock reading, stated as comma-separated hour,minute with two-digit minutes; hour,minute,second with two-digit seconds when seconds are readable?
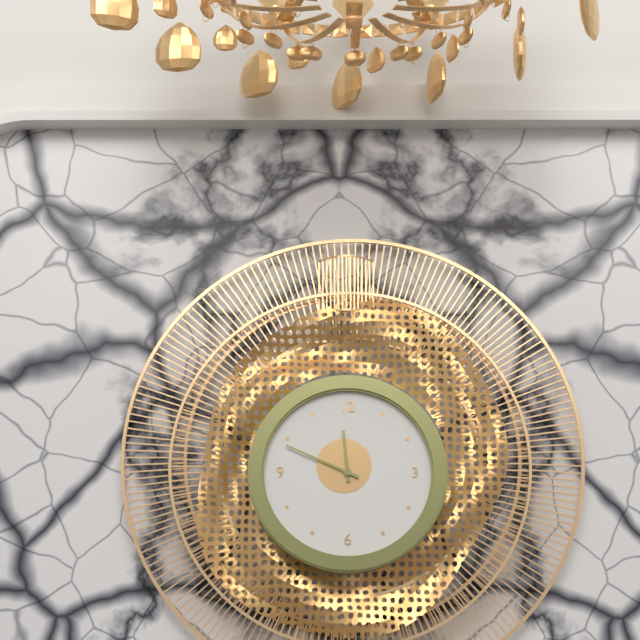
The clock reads 11,49
